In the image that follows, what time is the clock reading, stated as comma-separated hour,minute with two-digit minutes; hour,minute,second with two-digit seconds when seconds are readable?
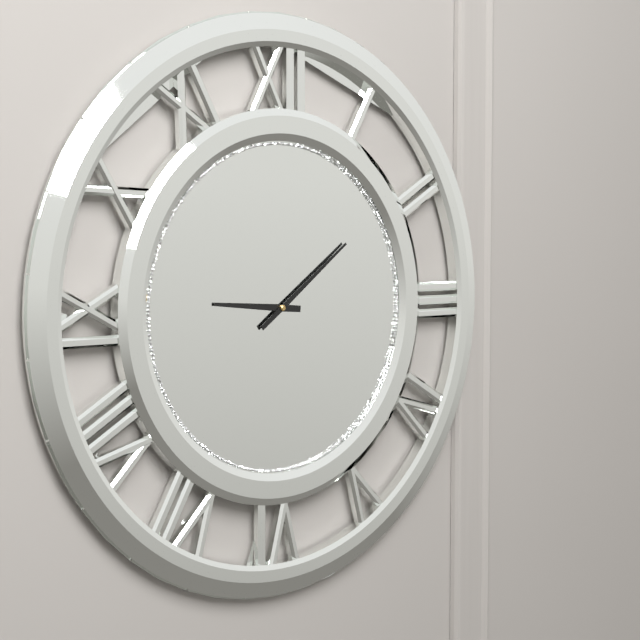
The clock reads 9,09
